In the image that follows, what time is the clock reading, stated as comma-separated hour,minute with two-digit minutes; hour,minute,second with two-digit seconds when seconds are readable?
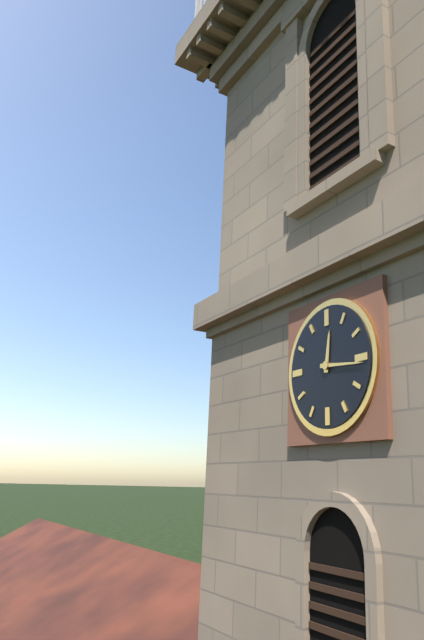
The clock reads 12,16
